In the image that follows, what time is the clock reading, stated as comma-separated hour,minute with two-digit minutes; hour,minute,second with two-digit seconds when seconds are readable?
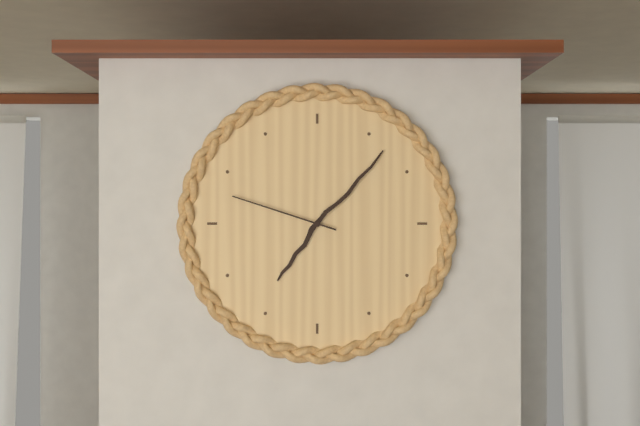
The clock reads 7,07,48
